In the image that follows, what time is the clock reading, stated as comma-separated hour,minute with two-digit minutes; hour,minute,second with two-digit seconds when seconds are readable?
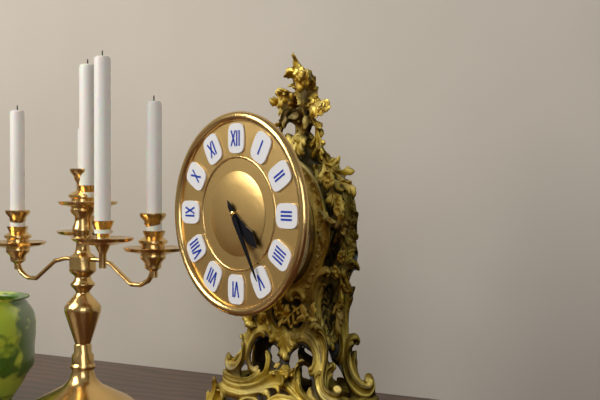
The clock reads 4,25
